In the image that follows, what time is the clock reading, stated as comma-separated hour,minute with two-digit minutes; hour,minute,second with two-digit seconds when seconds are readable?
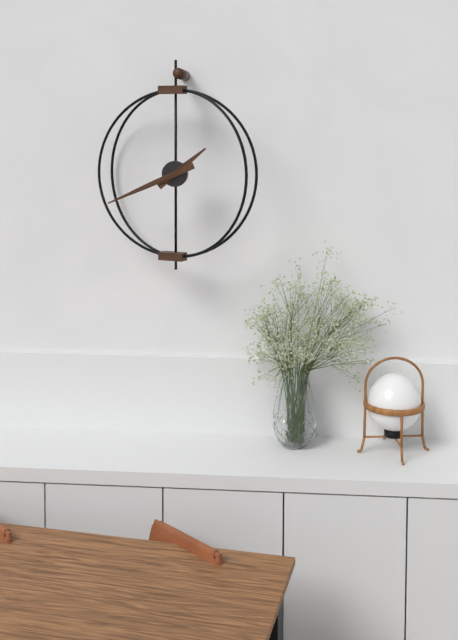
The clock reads 1,41
